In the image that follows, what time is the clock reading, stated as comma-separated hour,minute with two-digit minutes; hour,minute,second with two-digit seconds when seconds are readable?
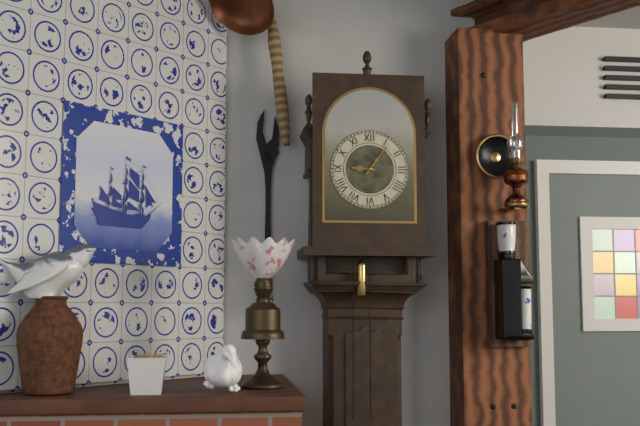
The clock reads 9,06
